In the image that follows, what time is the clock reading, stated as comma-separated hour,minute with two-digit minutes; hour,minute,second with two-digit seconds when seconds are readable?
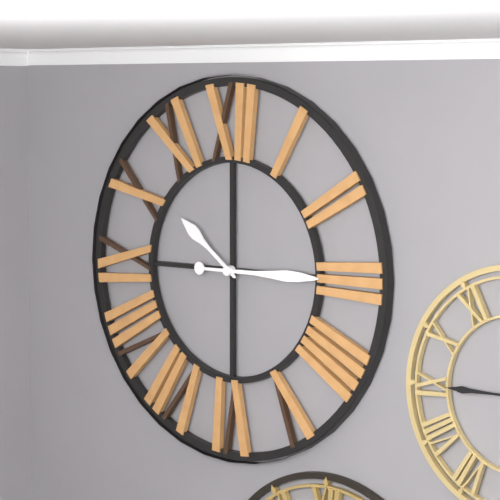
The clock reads 10,15
